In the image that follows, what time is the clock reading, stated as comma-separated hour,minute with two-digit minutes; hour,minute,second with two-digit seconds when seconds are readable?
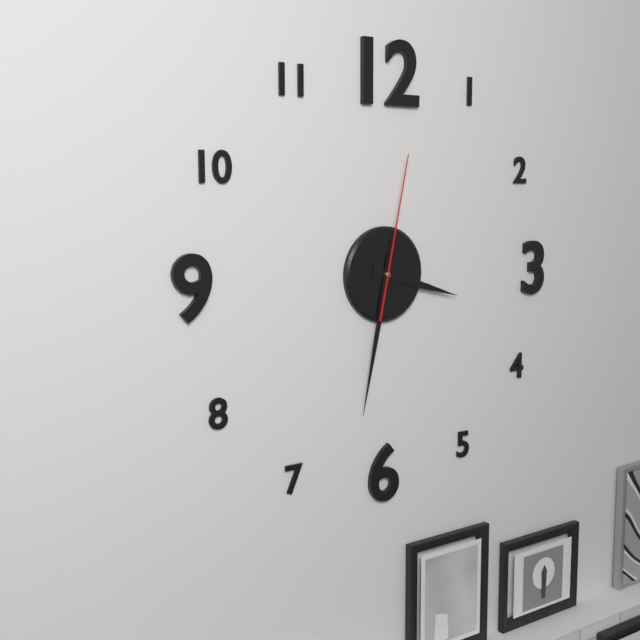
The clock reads 3,32,02
